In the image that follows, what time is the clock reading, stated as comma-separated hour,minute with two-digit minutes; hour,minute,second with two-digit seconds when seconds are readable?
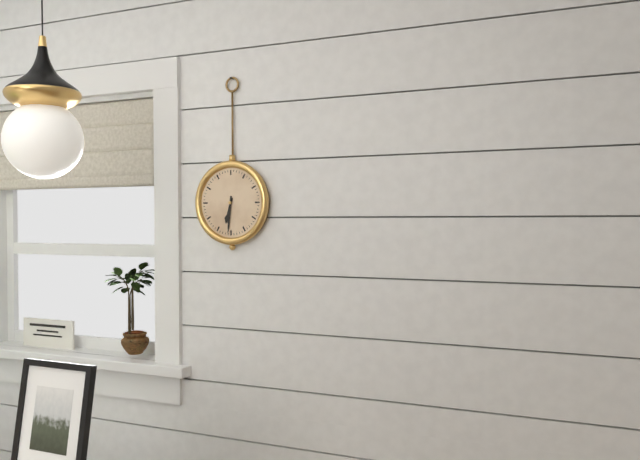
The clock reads 6,31
